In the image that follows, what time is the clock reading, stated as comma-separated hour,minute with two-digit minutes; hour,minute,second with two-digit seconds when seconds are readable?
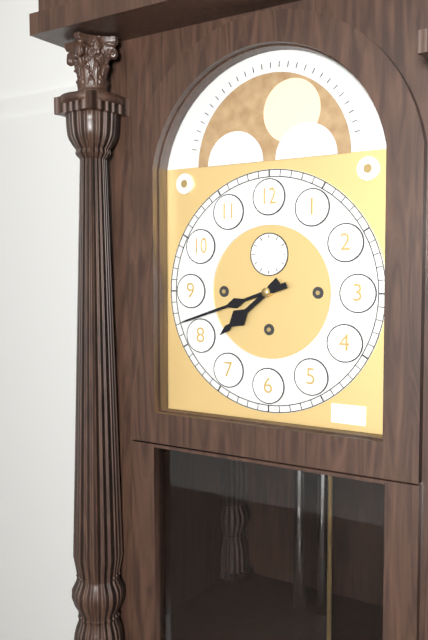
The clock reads 7,42
